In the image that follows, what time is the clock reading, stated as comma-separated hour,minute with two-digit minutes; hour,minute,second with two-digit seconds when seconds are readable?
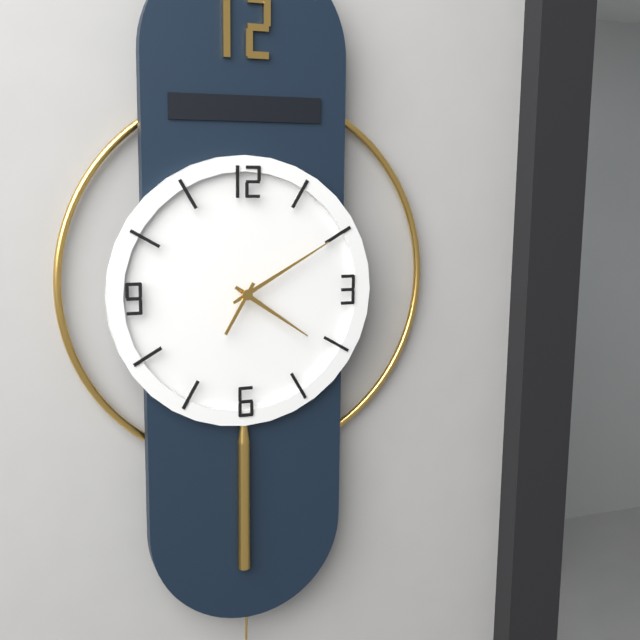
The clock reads 4,10,35
